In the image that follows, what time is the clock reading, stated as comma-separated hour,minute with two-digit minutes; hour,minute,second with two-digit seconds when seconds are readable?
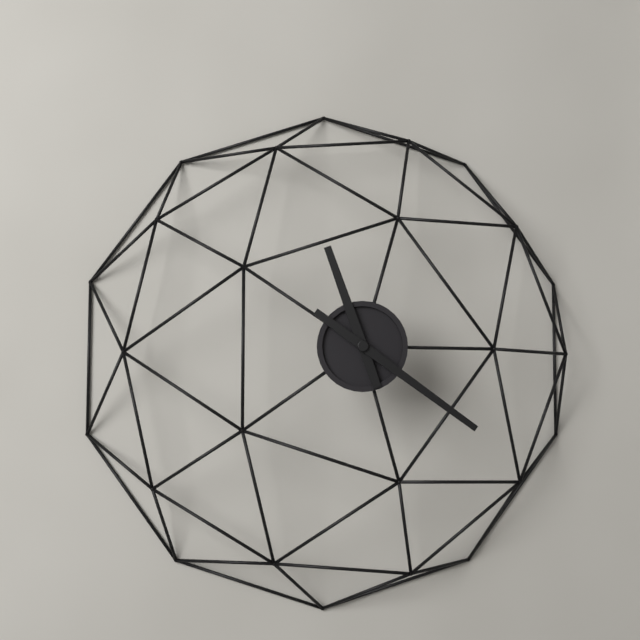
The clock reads 11,21
